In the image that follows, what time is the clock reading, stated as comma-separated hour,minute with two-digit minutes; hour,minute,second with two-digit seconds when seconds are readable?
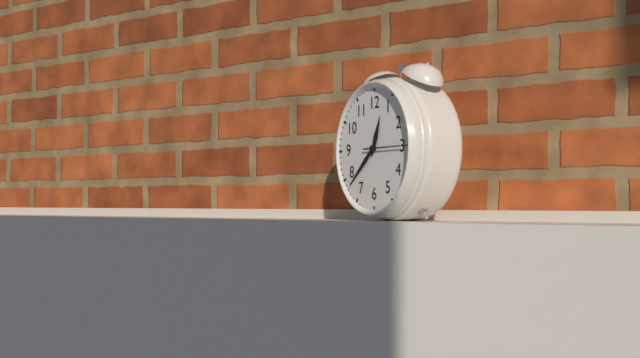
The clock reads 12,38
